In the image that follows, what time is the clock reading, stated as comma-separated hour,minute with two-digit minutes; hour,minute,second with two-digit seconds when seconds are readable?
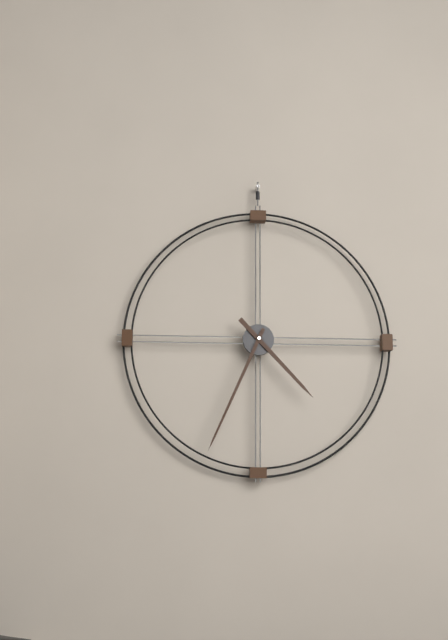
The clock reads 4,34
